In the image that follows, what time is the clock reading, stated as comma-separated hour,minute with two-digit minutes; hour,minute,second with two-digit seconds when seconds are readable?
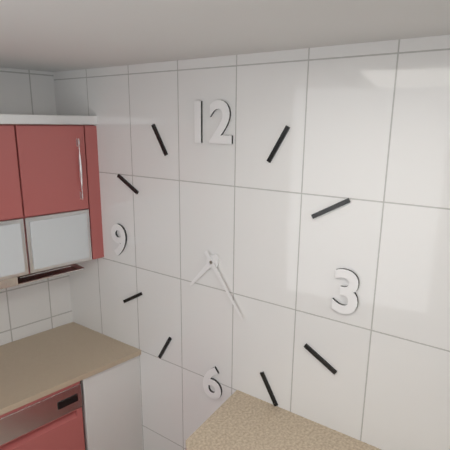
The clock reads 7,24
